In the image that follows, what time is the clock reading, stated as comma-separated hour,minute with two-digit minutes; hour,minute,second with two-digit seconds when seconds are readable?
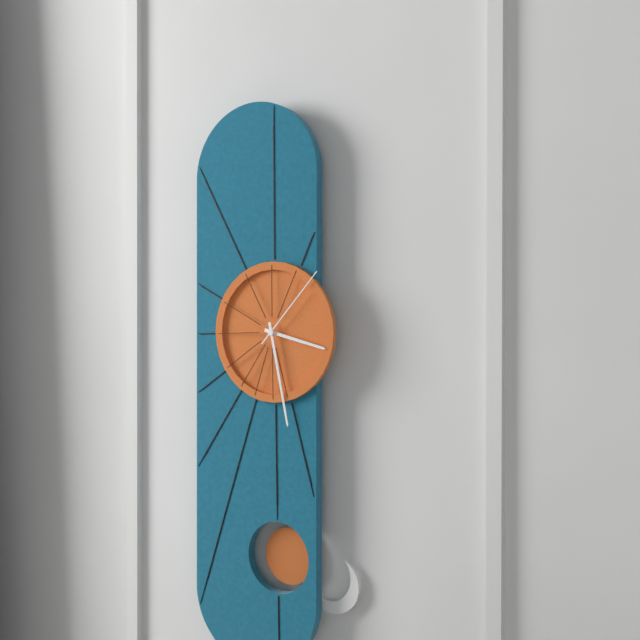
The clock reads 3,28,07
